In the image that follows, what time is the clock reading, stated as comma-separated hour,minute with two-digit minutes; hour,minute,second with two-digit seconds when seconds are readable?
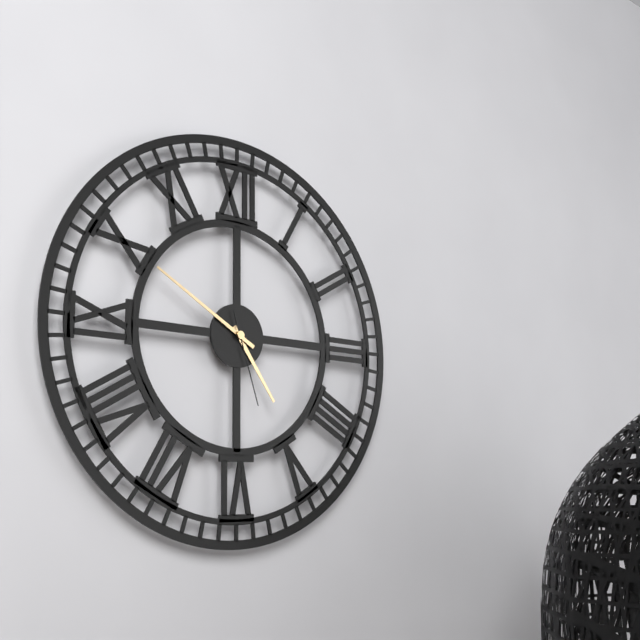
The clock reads 4,50,27
